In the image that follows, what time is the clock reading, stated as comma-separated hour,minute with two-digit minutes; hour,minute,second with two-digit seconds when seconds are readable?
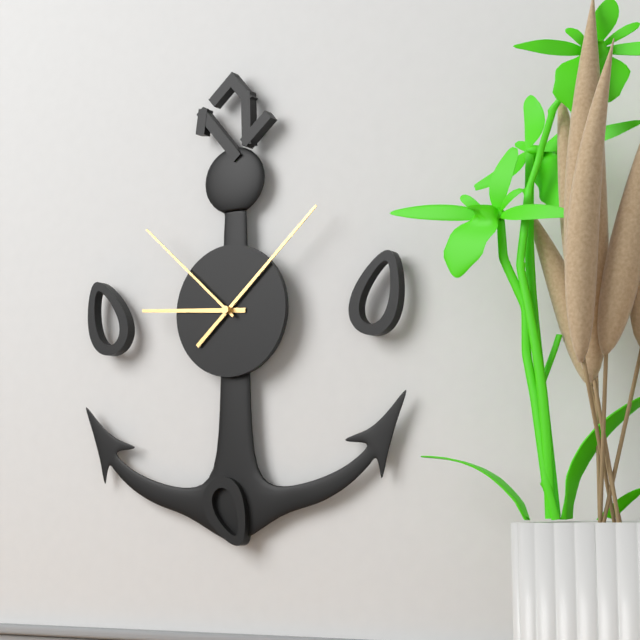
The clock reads 9,08,52
